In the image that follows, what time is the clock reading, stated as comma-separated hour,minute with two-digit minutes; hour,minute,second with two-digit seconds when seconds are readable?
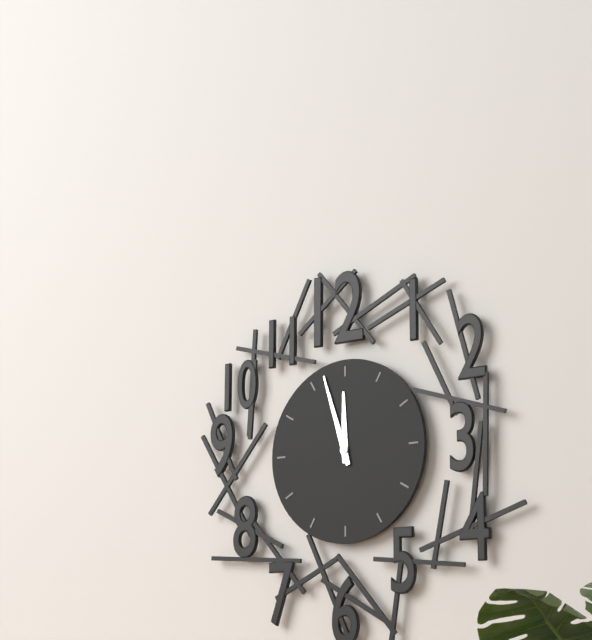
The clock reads 11,57
